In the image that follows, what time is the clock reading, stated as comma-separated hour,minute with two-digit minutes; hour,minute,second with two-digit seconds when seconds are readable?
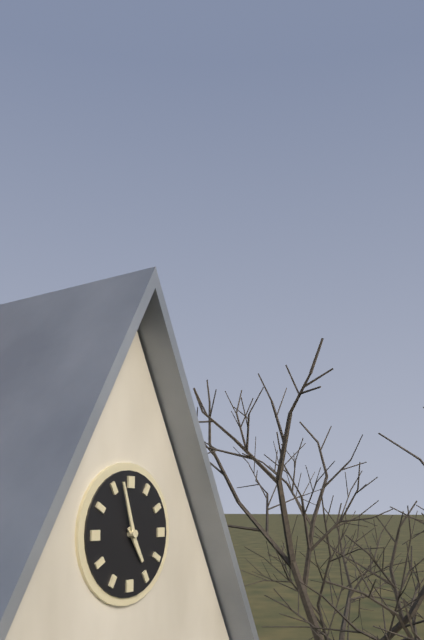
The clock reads 4,57
